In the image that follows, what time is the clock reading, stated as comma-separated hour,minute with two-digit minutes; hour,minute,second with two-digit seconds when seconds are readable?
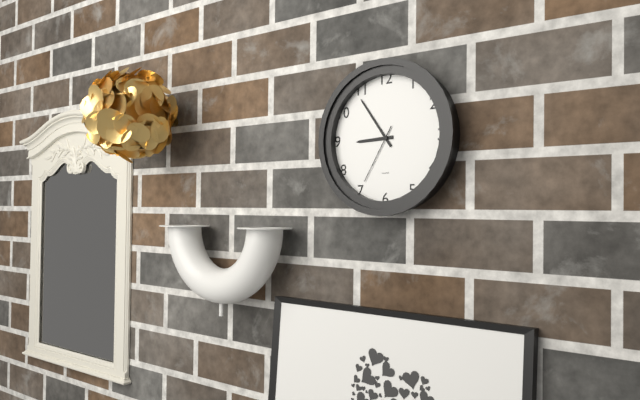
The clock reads 8,54,35
